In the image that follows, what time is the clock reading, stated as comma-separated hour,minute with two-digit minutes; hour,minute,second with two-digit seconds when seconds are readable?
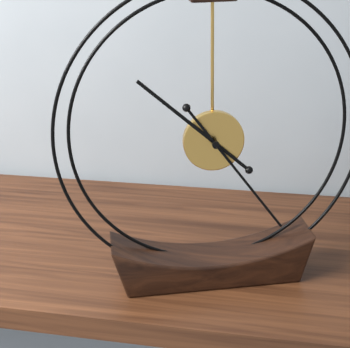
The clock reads 10,24
